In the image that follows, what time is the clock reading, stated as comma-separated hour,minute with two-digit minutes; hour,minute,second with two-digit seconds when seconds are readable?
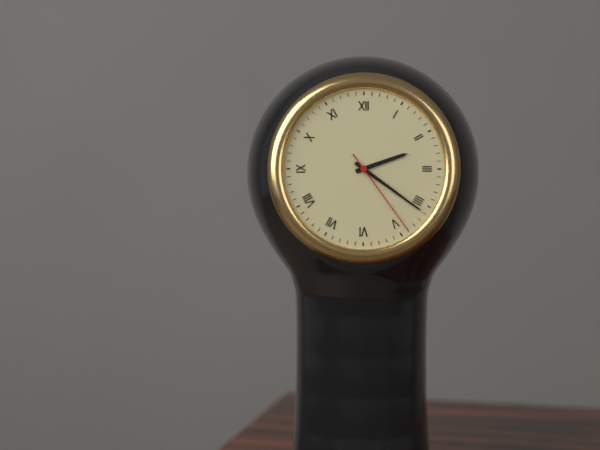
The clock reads 2,21,24
